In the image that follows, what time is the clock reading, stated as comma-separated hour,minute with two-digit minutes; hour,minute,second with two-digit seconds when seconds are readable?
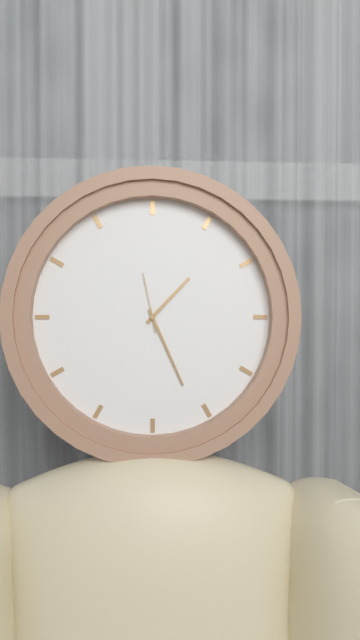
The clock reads 1,26,58
